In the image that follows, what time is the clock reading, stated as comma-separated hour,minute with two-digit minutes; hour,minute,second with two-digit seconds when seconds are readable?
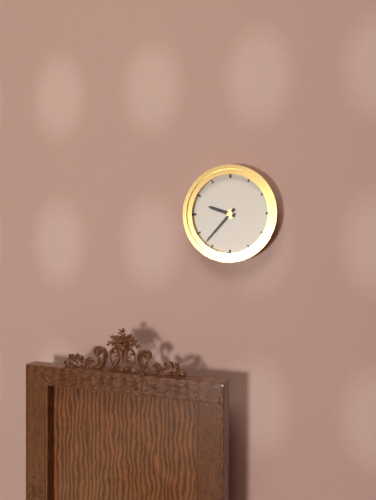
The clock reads 9,37
